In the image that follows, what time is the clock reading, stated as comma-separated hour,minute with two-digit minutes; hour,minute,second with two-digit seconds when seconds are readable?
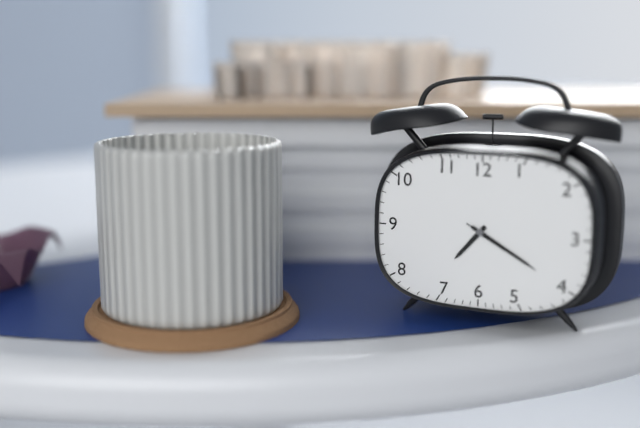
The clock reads 7,20,20
